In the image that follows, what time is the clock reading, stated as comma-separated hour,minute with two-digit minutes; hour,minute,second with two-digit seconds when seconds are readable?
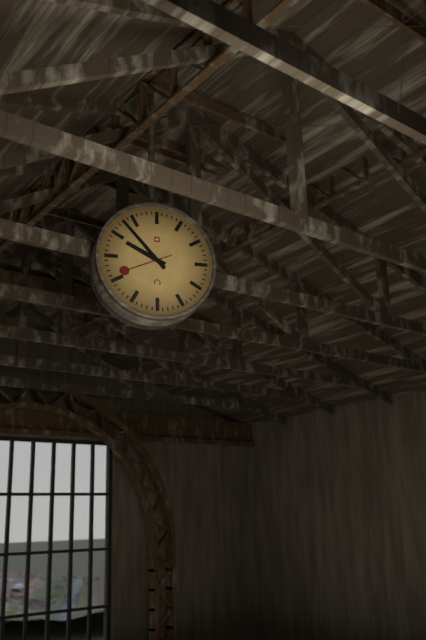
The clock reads 9,53
